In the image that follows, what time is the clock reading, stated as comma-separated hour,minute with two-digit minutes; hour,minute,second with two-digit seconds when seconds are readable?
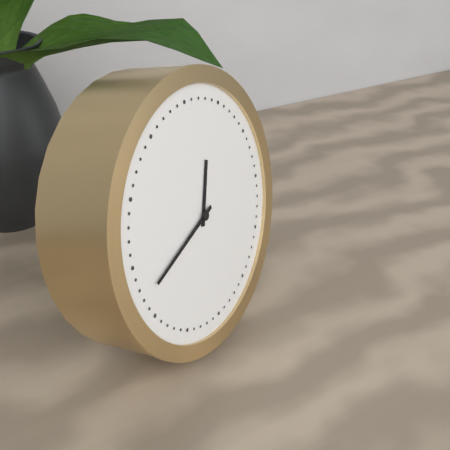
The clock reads 12,42
